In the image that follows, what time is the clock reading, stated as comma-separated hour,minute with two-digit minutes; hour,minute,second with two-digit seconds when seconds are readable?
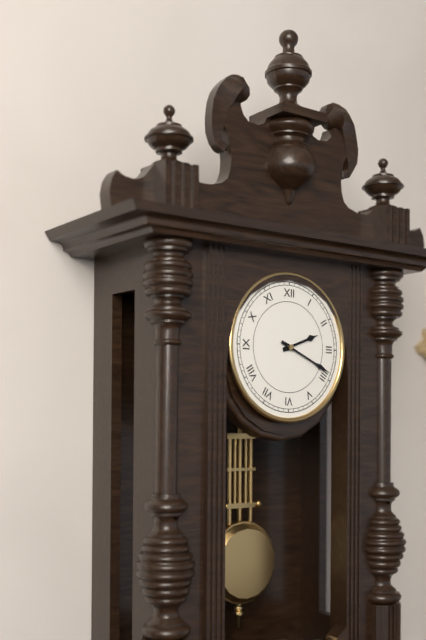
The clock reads 2,19
